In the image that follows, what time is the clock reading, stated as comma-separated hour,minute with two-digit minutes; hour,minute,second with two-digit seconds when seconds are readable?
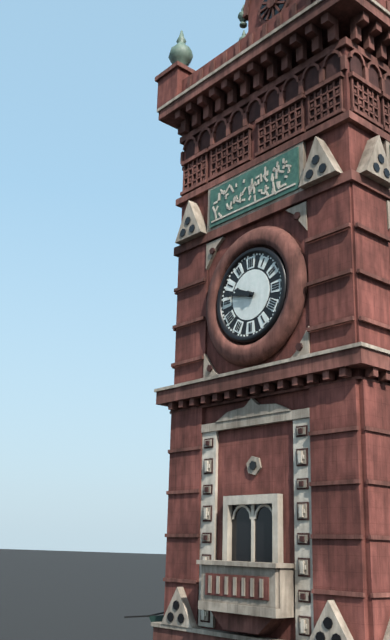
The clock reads 9,47
